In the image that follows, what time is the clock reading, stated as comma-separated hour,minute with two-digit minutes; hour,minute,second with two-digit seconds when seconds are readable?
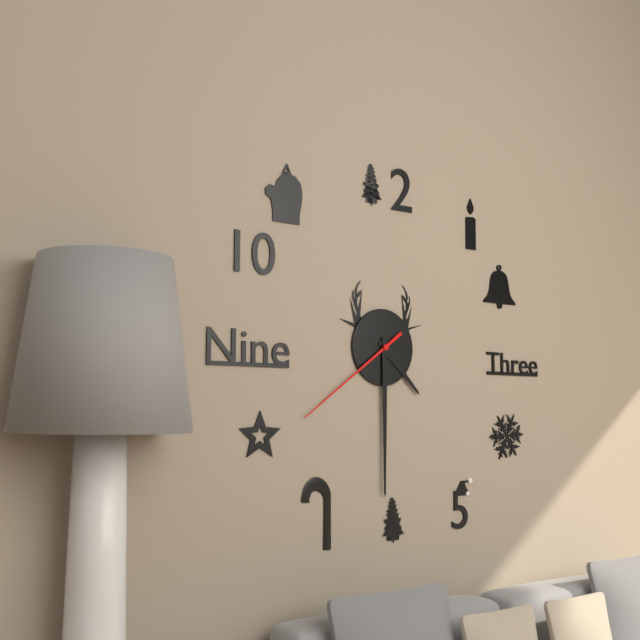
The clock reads 4,30,39
